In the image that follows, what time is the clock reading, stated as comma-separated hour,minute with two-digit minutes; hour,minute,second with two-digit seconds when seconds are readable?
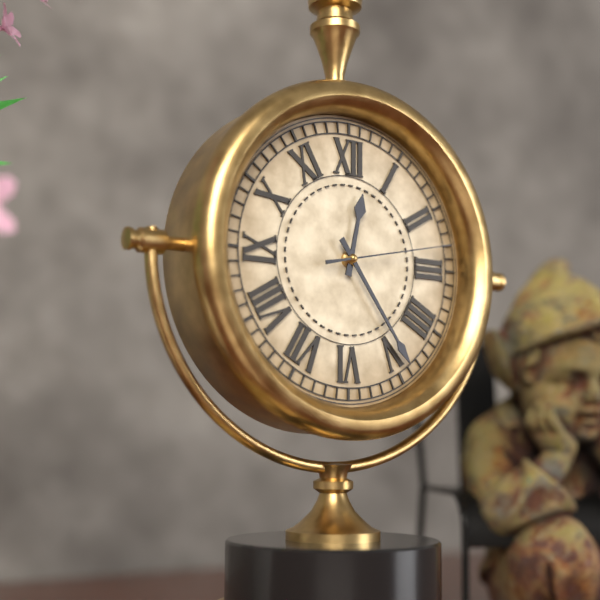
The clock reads 12,24,13
